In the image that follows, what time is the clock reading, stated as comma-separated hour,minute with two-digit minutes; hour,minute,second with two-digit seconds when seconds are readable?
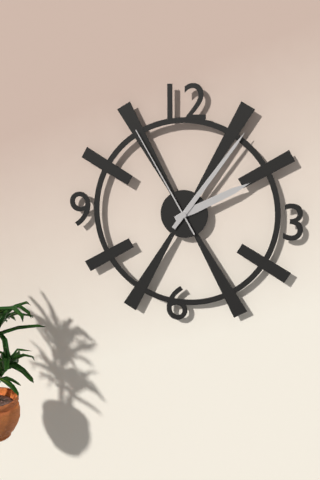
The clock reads 2,06,55
